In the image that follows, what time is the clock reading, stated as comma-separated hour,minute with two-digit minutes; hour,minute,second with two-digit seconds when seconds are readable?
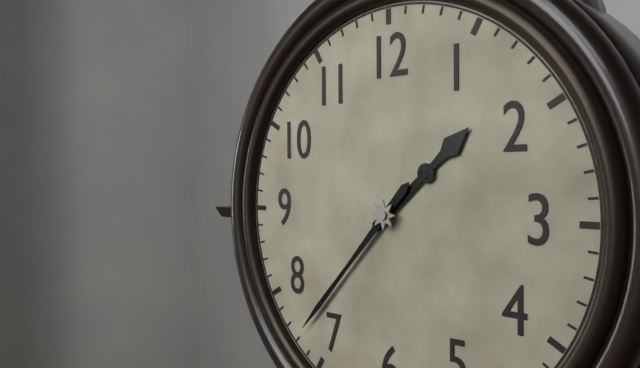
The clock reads 1,37
